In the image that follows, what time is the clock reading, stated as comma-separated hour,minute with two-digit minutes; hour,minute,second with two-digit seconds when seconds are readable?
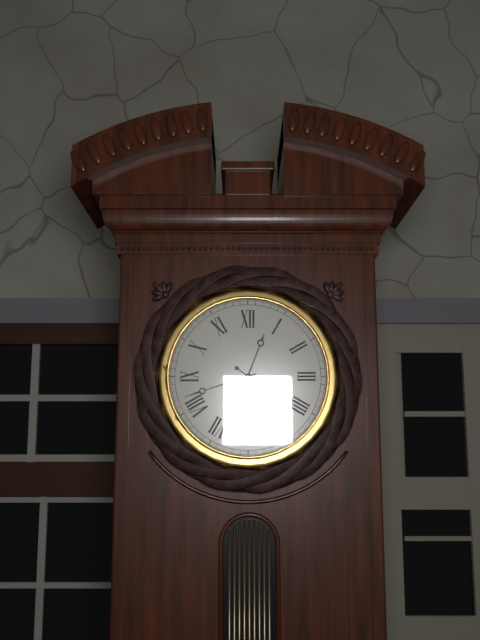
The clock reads 12,42,21
